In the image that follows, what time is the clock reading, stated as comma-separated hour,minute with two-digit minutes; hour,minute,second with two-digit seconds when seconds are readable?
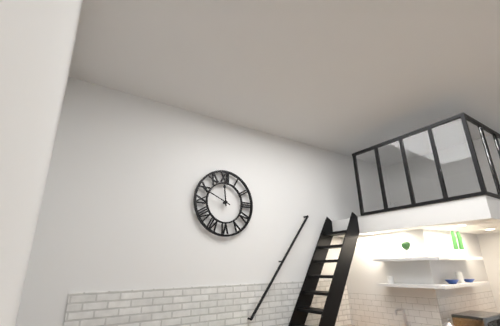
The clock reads 11,49
